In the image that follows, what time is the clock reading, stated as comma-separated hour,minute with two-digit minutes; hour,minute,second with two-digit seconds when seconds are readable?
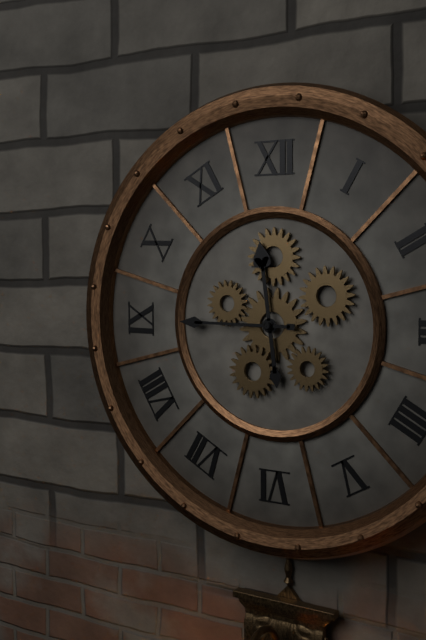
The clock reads 11,45
